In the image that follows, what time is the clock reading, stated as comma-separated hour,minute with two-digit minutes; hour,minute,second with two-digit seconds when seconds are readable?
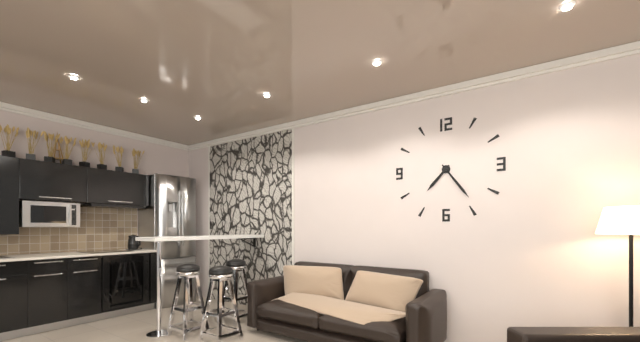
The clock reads 7,24
